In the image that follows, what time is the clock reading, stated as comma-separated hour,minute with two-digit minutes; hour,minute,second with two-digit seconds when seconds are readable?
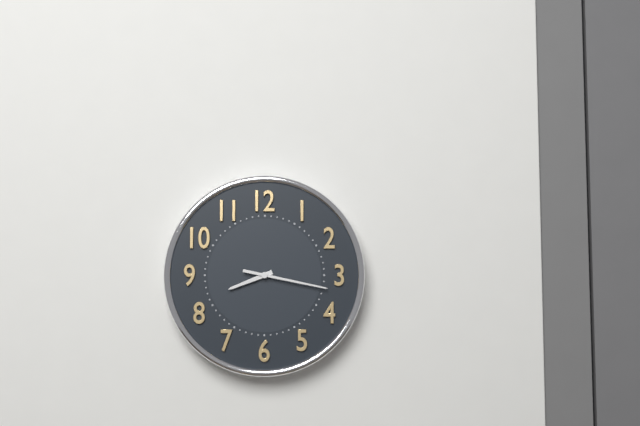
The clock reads 8,17
